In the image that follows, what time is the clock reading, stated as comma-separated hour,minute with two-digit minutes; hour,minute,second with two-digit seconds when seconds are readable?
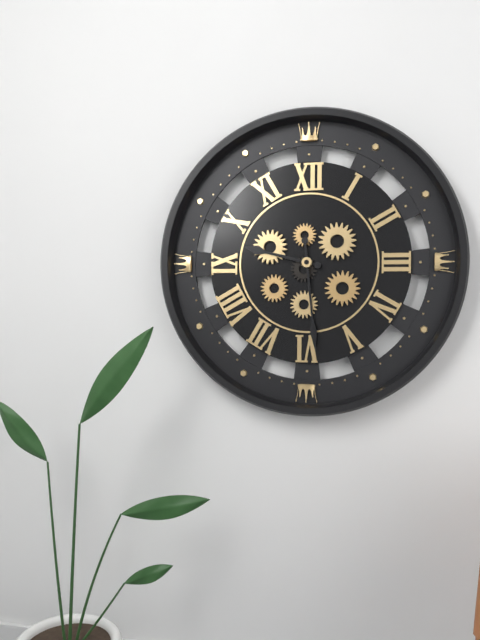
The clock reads 9,29
